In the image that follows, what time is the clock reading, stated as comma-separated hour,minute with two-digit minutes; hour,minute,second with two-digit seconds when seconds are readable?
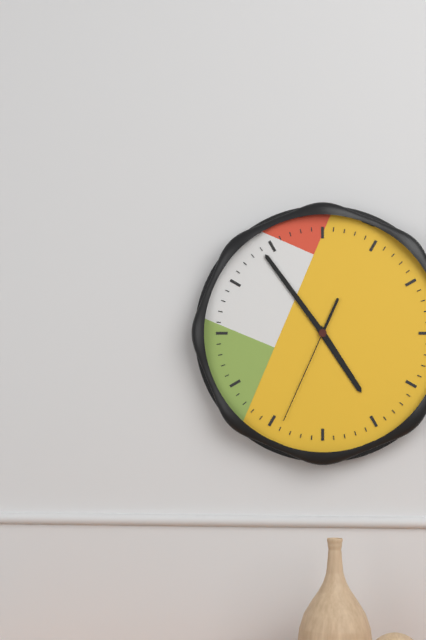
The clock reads 4,54,34
